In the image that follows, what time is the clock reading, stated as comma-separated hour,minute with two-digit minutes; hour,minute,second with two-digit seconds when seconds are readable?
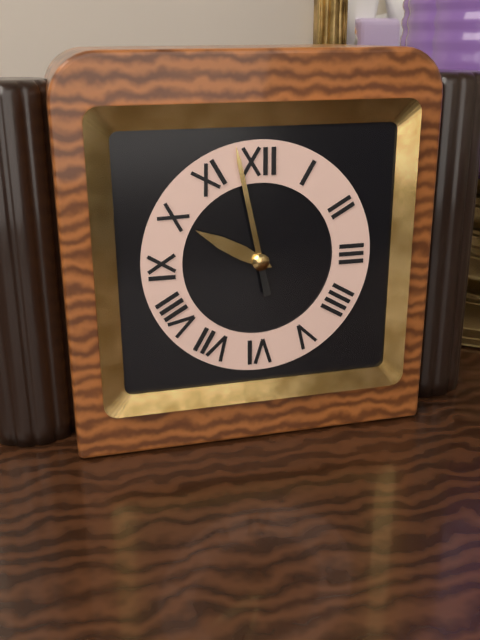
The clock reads 9,58
